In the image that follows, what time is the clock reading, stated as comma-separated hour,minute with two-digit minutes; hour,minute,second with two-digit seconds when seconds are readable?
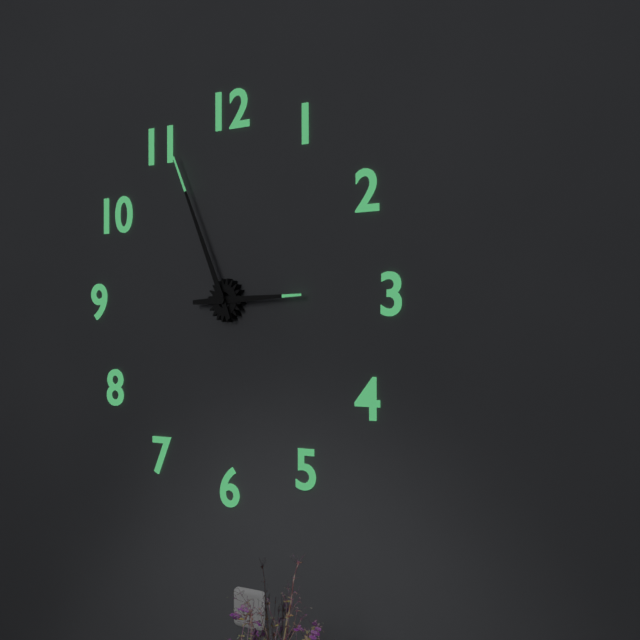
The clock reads 2,56
